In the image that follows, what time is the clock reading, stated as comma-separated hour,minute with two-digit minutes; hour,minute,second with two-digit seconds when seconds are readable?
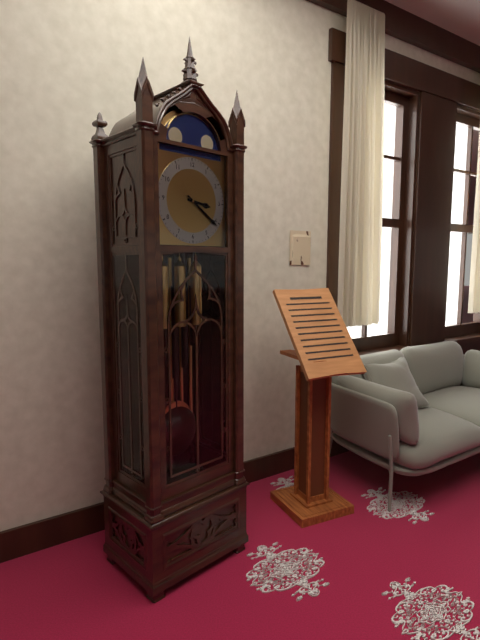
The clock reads 3,21
